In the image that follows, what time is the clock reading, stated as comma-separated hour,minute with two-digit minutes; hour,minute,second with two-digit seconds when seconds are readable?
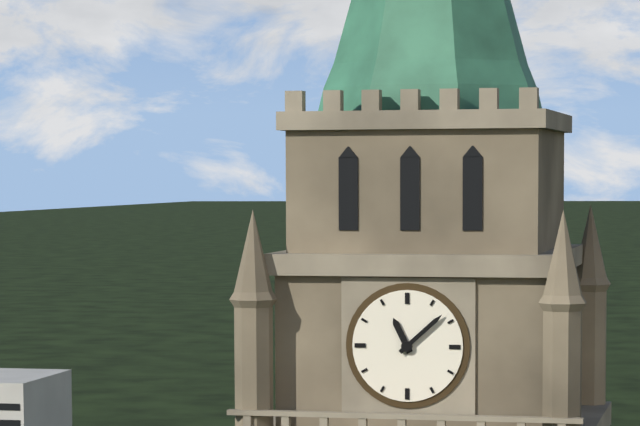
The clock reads 11,08
